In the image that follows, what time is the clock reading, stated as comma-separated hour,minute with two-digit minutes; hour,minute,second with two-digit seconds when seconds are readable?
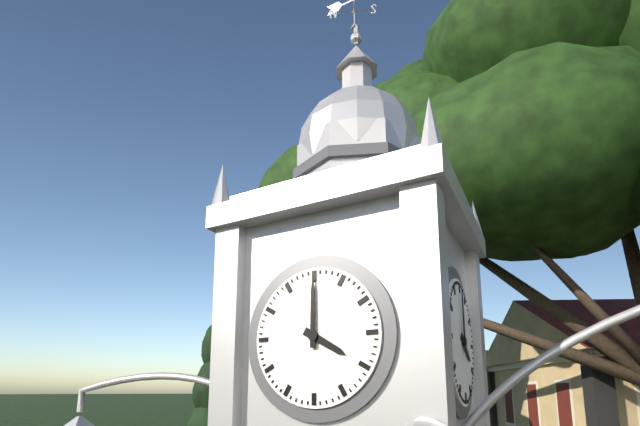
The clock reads 4,00
